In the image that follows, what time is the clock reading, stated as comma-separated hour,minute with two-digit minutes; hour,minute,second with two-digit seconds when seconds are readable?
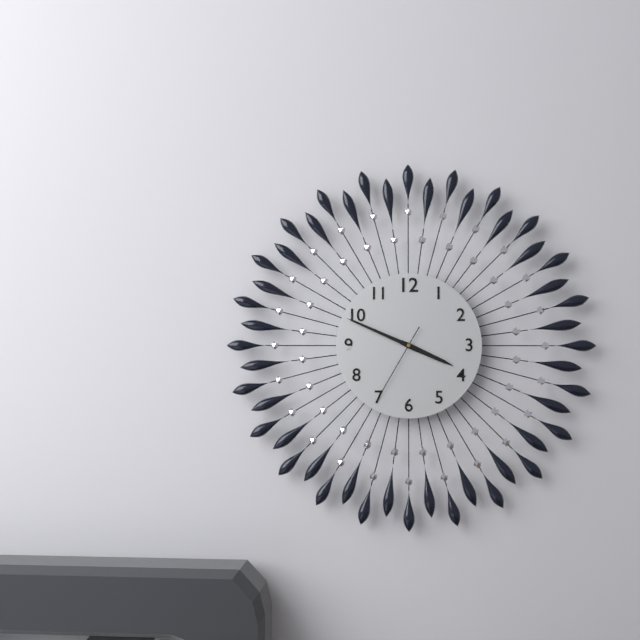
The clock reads 3,49,35
